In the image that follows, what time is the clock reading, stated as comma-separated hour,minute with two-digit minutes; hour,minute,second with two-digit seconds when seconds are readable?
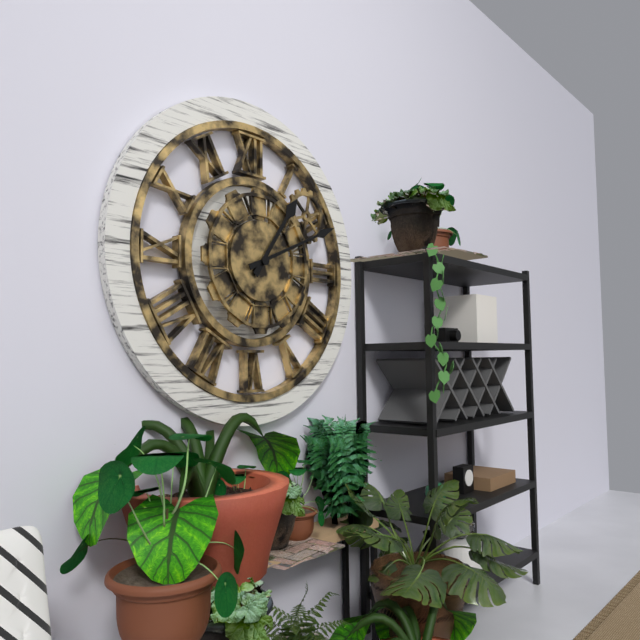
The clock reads 1,11
